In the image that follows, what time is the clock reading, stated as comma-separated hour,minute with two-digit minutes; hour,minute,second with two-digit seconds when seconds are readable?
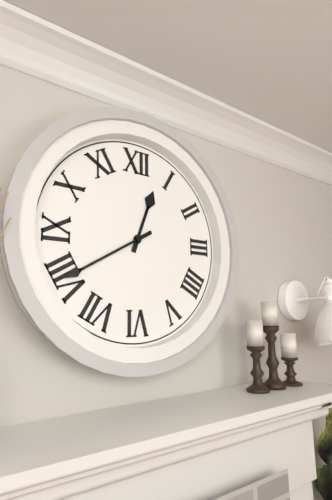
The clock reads 12,40
